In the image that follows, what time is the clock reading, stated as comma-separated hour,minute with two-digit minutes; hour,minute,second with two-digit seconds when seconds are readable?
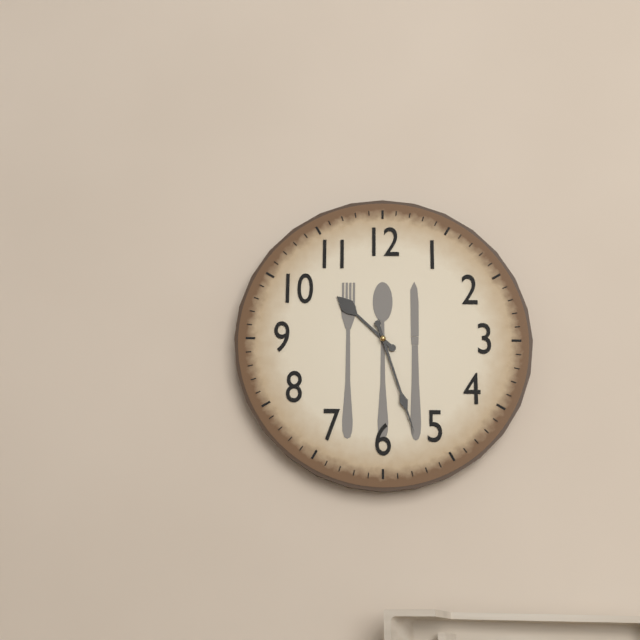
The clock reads 10,27
